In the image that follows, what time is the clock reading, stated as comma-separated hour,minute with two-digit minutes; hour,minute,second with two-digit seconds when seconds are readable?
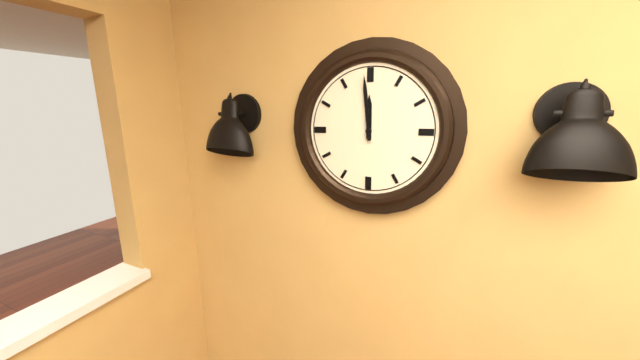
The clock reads 11,59
